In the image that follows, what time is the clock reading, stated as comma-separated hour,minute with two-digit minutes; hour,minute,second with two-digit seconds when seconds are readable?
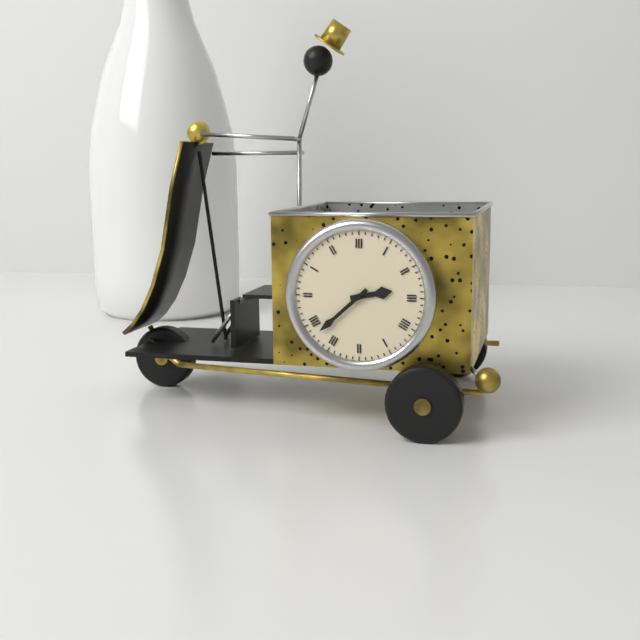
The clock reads 2,38
